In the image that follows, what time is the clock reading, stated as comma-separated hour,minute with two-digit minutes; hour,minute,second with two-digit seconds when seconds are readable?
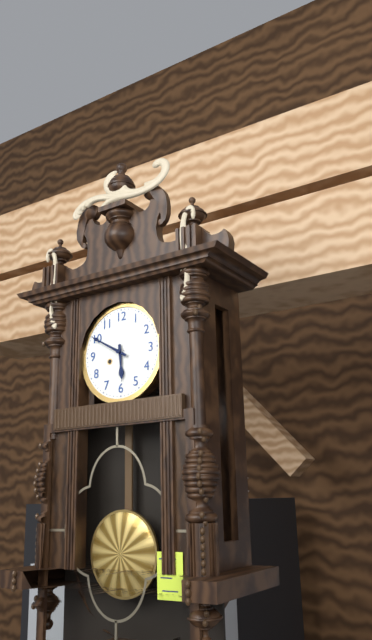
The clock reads 5,50
